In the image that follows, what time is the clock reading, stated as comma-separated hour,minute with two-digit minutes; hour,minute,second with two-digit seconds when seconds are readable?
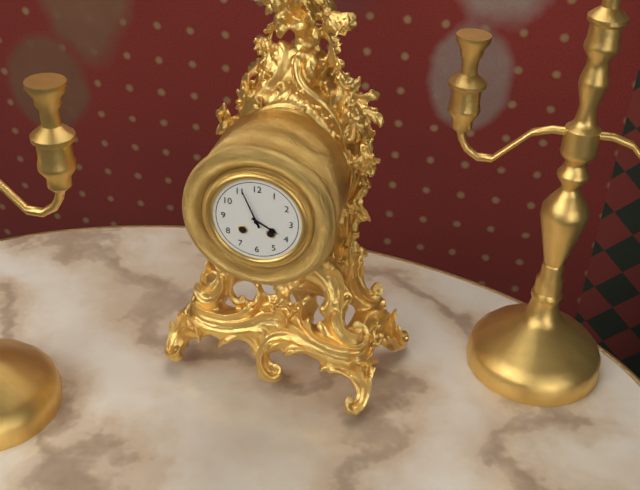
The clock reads 3,56
